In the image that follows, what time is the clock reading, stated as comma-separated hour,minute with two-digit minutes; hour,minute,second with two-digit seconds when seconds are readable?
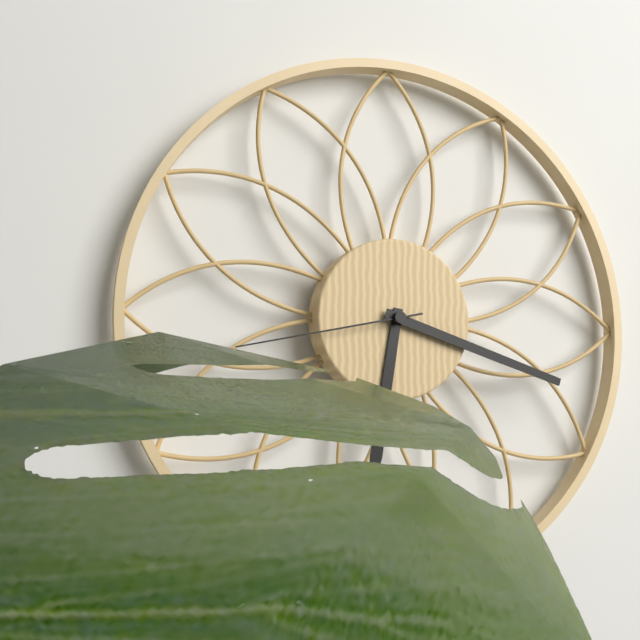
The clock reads 6,18,43
